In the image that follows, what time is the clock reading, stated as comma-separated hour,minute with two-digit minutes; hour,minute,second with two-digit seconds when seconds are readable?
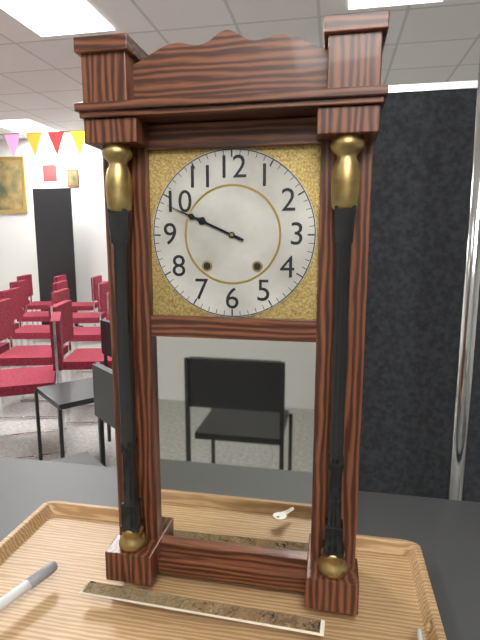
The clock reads 9,49
